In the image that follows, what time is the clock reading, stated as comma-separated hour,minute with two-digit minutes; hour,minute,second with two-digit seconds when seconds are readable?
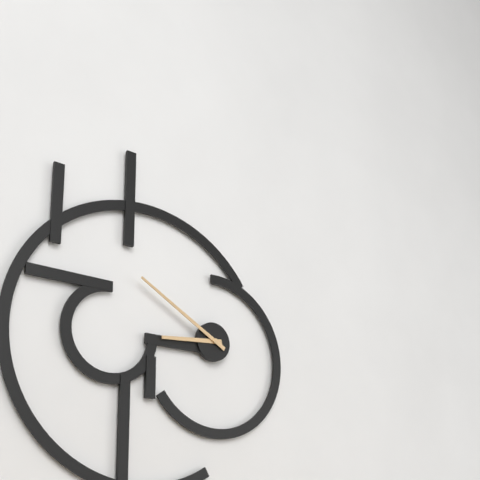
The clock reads 8,50
